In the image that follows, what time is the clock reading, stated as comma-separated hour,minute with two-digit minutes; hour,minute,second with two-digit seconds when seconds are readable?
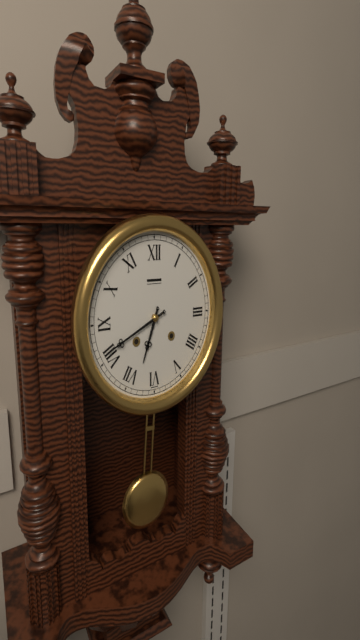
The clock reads 6,41
